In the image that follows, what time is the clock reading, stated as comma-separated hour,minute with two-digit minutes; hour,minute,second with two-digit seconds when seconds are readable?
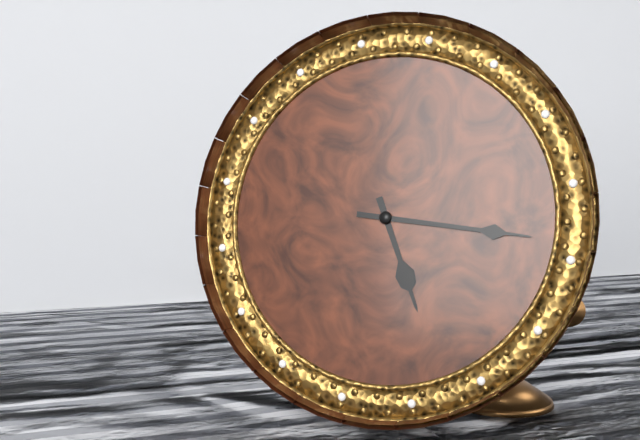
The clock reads 5,16
